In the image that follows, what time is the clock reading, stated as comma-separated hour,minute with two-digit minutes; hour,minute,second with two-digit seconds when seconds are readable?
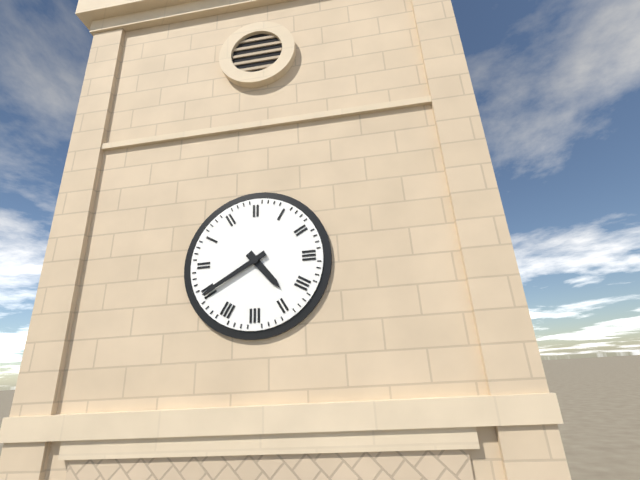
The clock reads 4,40
